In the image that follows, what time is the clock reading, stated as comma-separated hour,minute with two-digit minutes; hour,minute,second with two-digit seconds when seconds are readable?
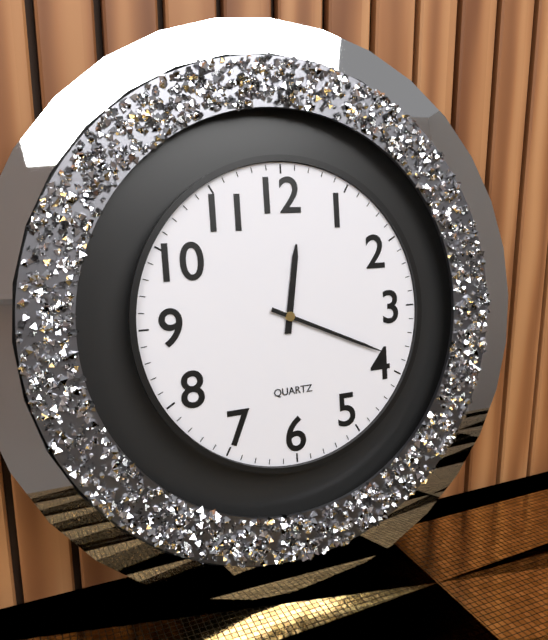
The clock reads 12,19
